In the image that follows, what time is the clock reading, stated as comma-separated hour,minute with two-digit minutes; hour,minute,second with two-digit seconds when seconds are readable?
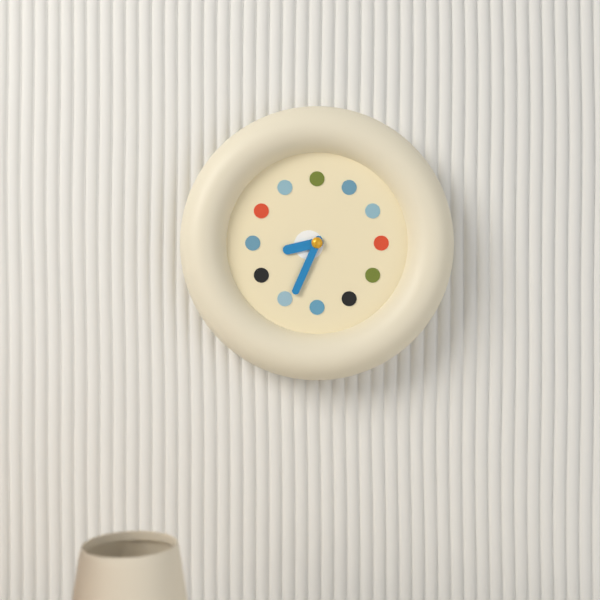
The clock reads 8,34
